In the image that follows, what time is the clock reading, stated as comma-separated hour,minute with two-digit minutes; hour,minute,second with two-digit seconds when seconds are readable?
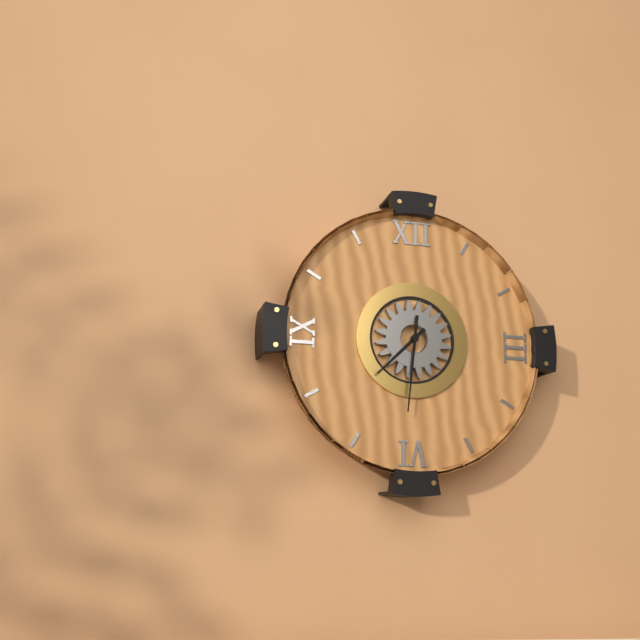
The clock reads 7,31
